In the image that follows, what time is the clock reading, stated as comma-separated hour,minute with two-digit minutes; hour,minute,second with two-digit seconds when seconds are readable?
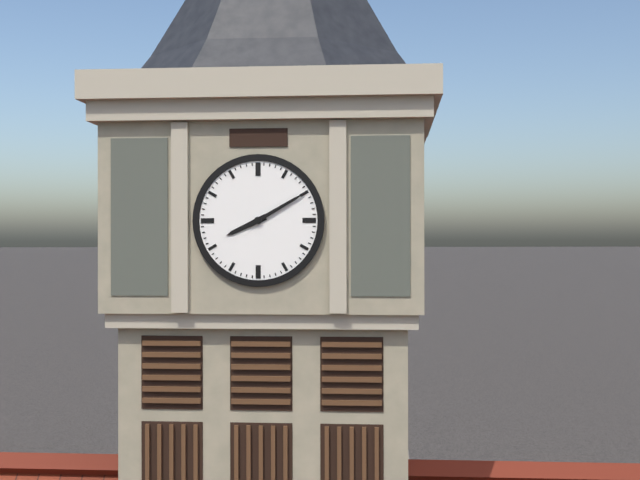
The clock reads 8,10
